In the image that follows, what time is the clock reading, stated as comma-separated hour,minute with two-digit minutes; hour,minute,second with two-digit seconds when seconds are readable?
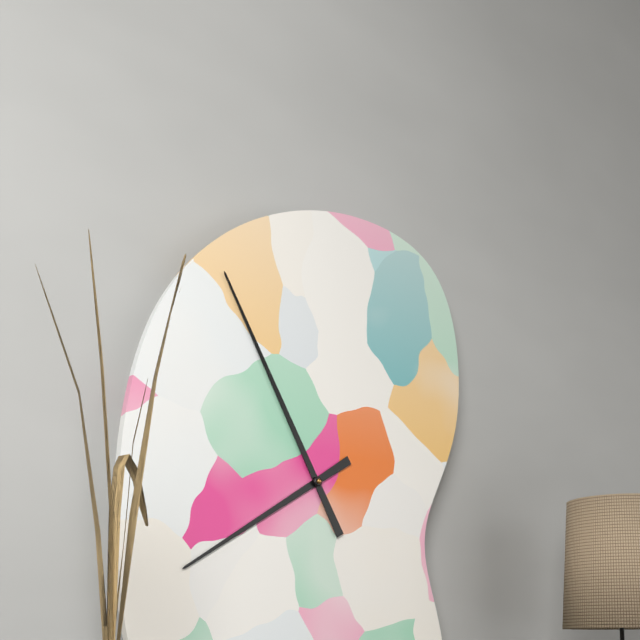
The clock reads 7,55
